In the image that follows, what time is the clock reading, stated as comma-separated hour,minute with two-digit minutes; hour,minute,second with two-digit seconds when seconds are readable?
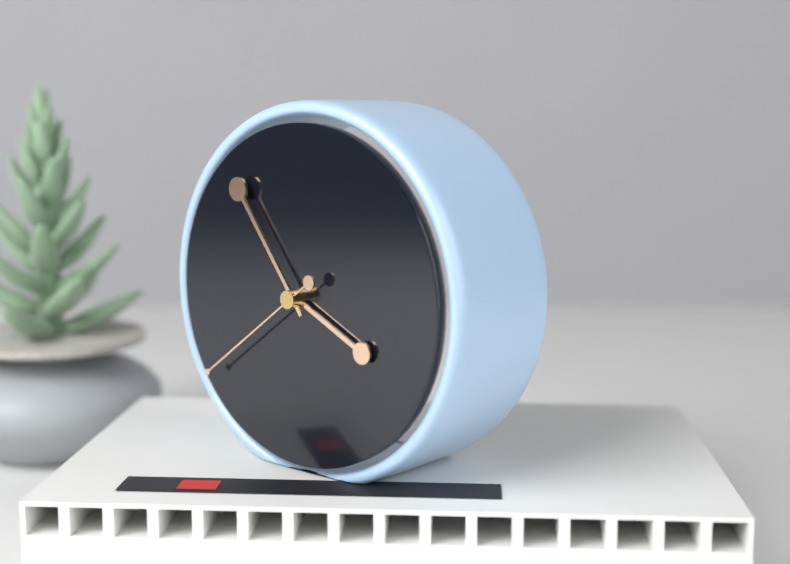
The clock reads 3,54,39
